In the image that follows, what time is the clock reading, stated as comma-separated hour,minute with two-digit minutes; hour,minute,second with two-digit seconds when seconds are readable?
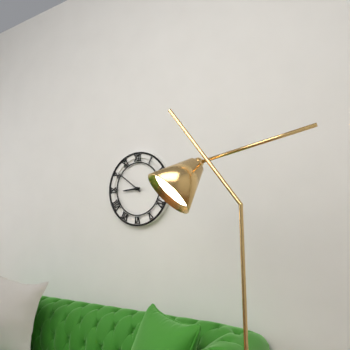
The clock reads 8,51
